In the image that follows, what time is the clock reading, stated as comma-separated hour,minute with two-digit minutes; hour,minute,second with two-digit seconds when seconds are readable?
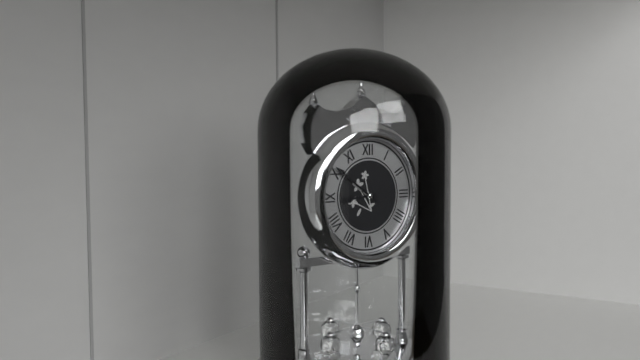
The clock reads 8,51
